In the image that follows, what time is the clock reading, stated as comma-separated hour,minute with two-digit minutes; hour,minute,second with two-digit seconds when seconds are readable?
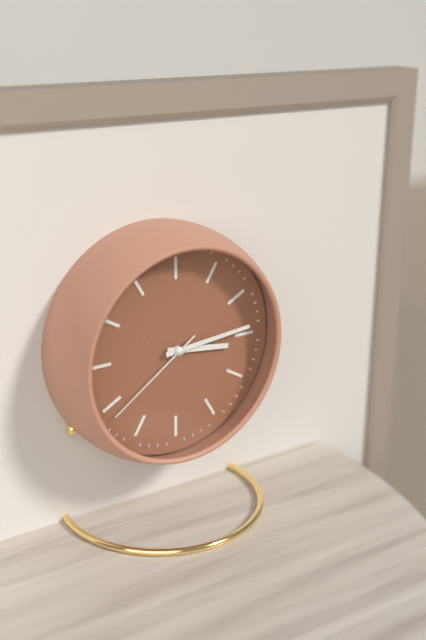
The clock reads 3,14,39
